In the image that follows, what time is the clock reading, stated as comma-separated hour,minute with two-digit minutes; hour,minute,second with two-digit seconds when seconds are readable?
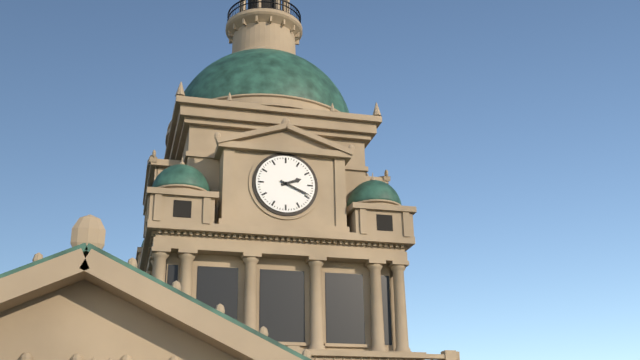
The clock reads 2,19
